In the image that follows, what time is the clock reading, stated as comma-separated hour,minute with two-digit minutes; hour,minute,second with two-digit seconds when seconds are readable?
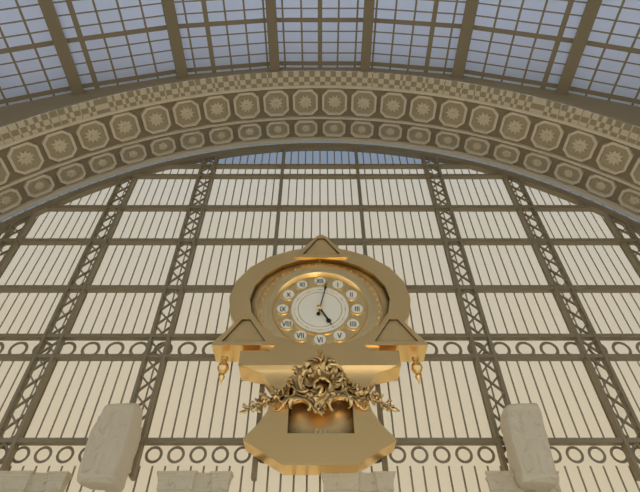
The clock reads 5,02
